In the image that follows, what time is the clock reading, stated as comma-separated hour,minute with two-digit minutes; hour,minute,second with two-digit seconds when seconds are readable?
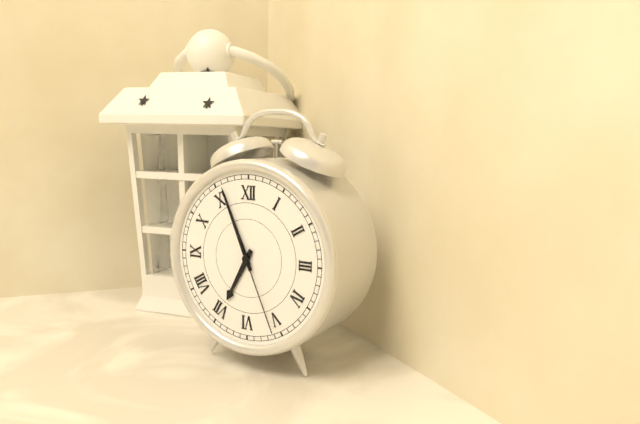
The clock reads 6,56,26
